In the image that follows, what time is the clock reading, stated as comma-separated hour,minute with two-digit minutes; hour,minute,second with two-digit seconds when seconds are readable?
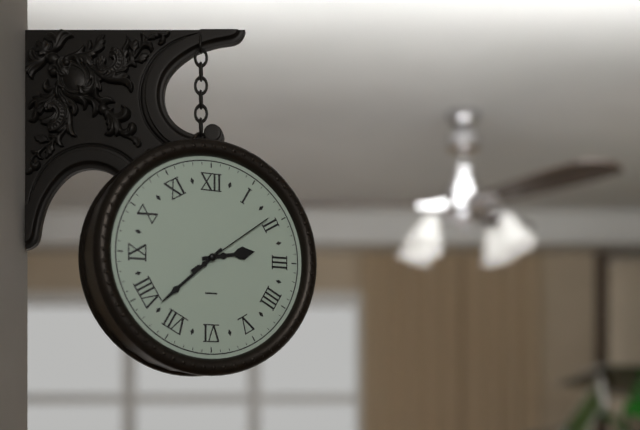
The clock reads 2,38,09
